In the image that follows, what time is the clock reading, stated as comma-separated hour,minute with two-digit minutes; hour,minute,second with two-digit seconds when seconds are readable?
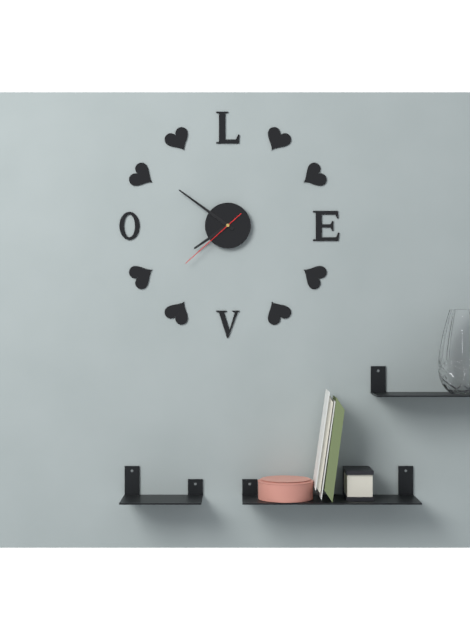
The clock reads 7,51,38
